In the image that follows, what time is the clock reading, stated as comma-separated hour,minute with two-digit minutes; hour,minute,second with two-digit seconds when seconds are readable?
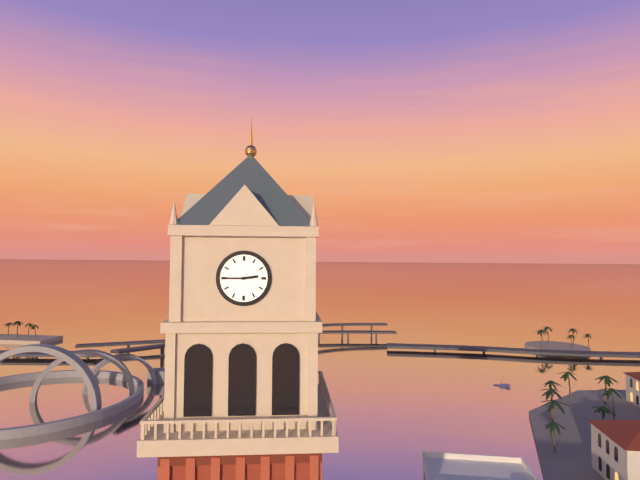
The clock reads 2,45
